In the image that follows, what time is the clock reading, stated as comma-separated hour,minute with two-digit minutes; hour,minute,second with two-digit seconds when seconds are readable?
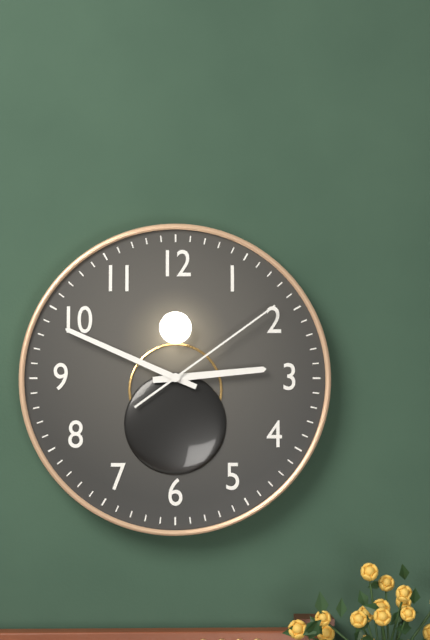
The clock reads 2,49,09
